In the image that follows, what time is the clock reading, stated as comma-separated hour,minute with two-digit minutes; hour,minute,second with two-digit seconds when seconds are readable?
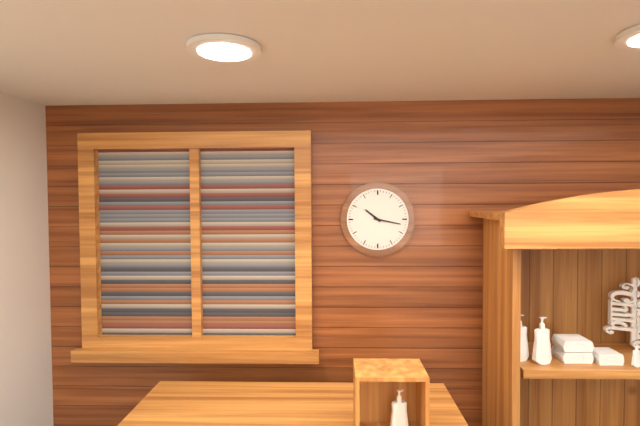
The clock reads 10,17
